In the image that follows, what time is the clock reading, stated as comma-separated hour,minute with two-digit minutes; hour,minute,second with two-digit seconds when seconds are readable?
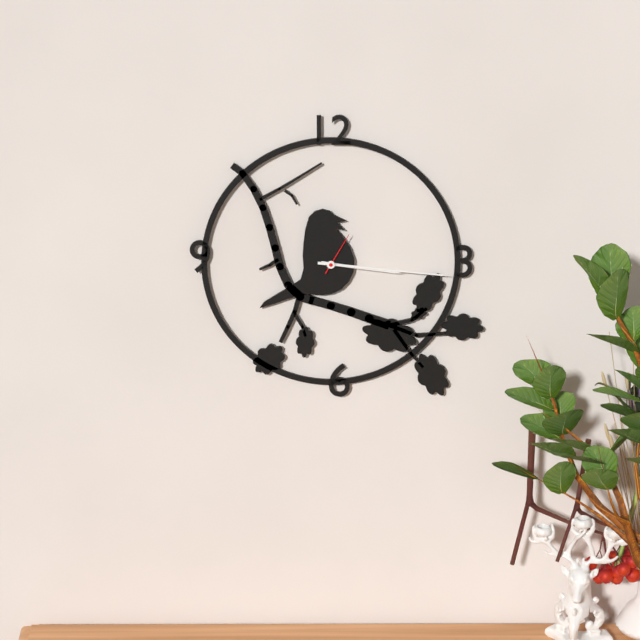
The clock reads 3,16
